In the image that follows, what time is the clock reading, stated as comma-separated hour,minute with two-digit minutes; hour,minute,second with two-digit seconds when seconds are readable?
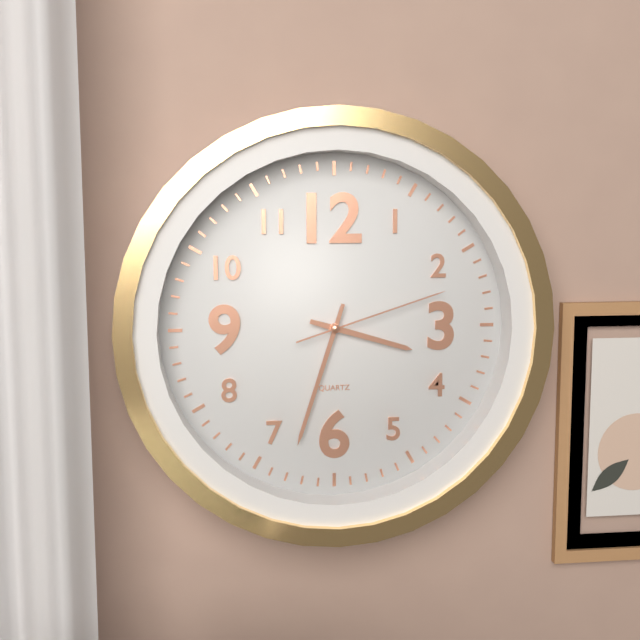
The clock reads 3,33,12
